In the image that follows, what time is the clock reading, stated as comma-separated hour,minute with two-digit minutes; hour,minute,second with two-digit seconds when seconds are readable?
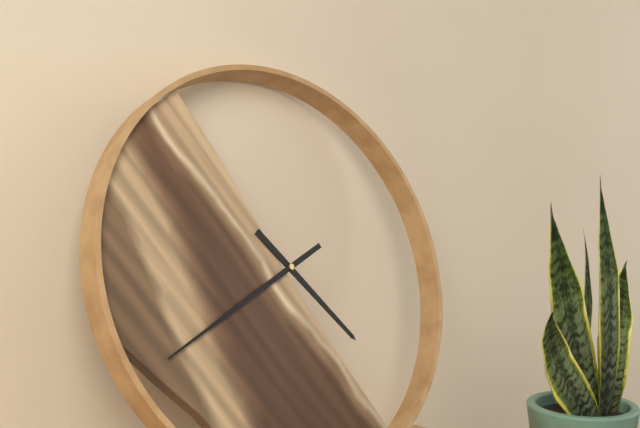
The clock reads 4,41
